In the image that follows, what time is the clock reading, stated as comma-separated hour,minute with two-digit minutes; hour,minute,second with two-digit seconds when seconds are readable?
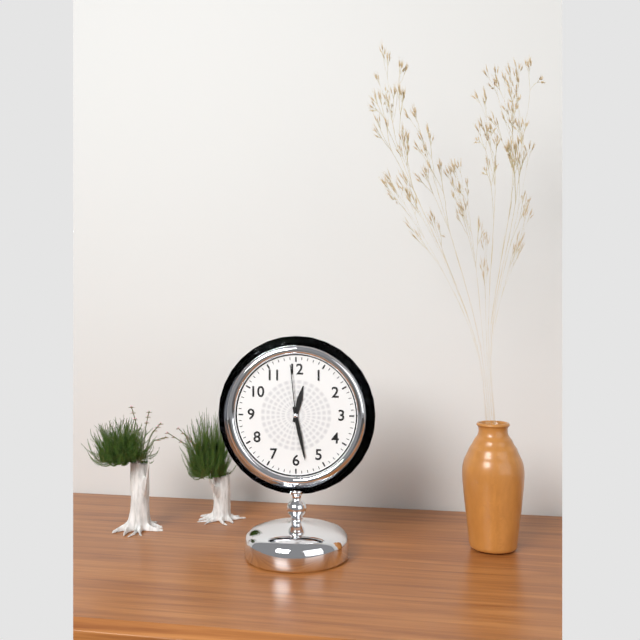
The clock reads 12,28,59
